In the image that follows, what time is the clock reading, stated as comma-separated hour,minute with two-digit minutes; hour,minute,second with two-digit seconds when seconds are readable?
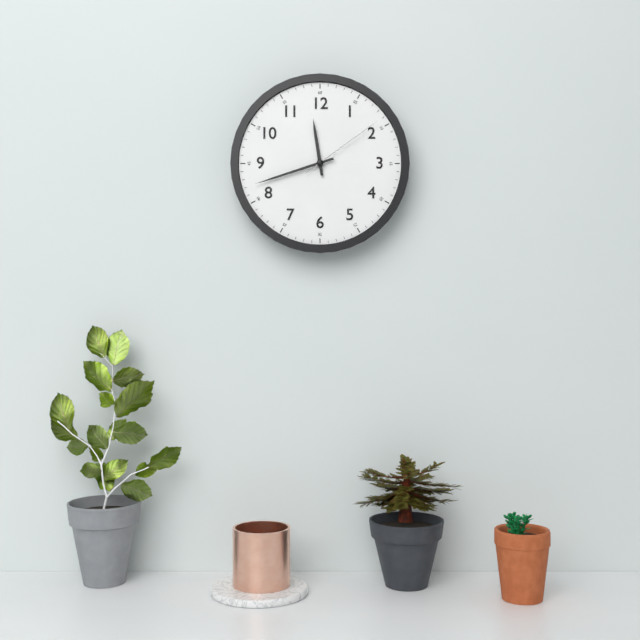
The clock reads 11,42,09
